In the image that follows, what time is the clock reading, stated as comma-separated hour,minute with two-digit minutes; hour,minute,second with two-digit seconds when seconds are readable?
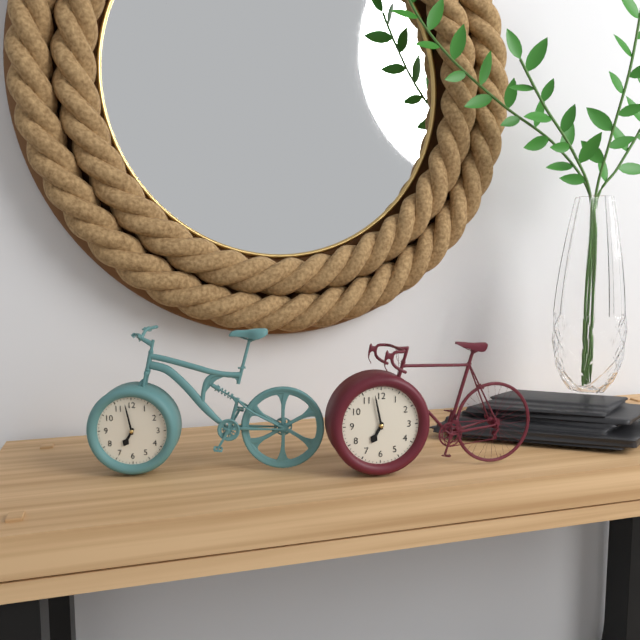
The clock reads 6,58
